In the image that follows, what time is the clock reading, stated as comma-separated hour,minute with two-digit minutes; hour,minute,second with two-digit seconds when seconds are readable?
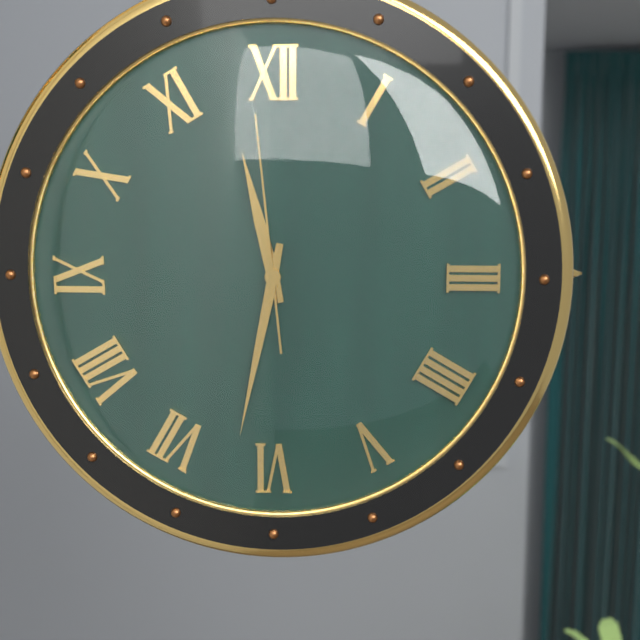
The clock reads 11,32,59
